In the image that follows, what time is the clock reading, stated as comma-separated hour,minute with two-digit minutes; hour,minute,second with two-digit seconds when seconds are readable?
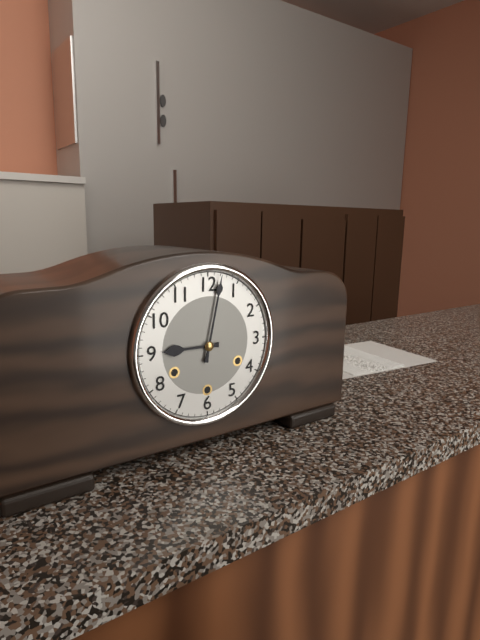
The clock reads 9,02
